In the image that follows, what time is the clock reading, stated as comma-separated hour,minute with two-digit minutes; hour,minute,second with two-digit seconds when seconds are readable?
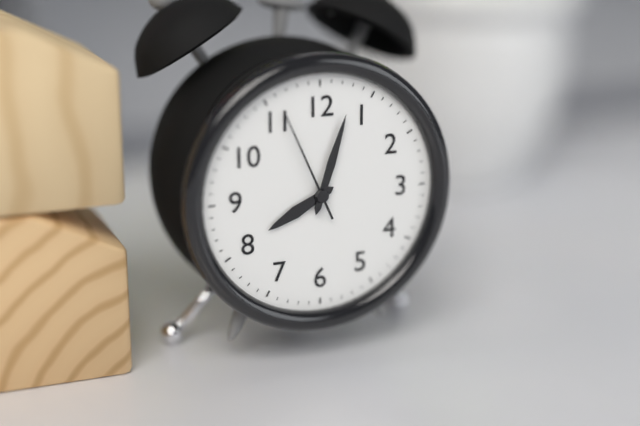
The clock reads 8,03,56
